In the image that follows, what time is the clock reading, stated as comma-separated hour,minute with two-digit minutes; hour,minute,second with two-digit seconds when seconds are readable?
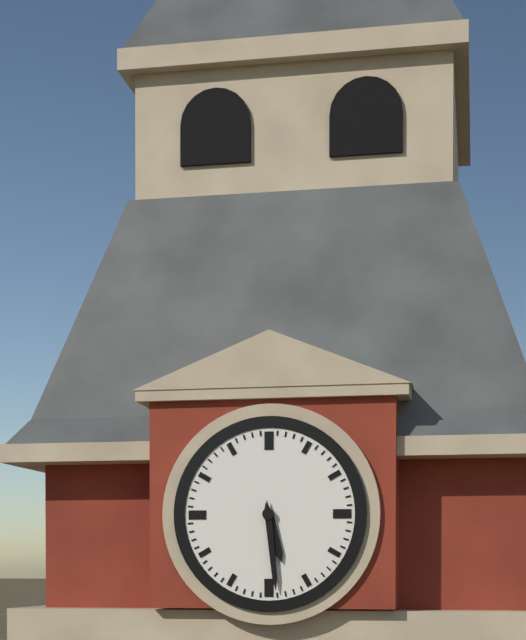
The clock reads 5,29
